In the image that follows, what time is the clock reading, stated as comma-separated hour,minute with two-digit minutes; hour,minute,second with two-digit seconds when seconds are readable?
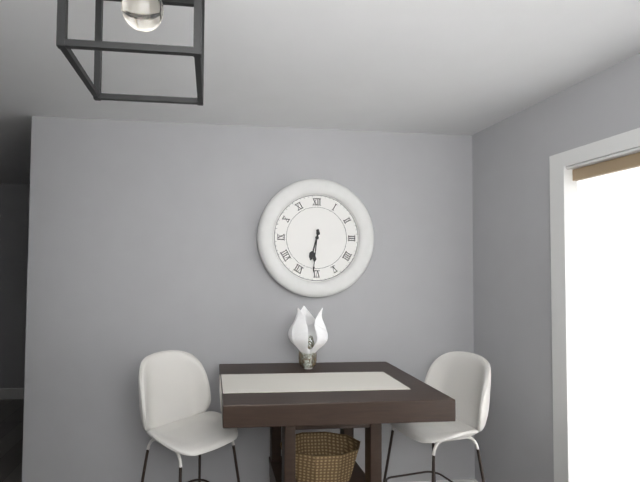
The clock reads 6,31
